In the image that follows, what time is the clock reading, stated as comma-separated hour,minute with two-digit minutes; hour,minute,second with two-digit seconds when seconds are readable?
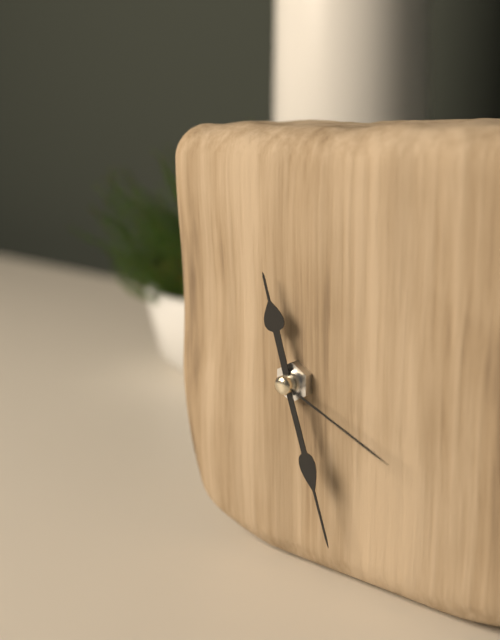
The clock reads 11,27,19
